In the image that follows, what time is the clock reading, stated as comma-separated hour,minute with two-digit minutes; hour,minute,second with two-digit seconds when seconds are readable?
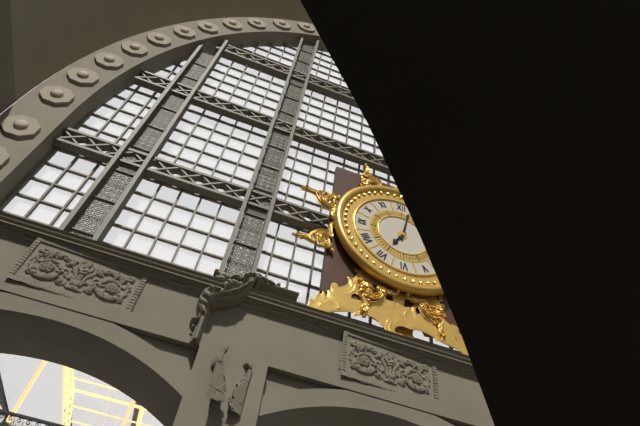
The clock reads 7,02
